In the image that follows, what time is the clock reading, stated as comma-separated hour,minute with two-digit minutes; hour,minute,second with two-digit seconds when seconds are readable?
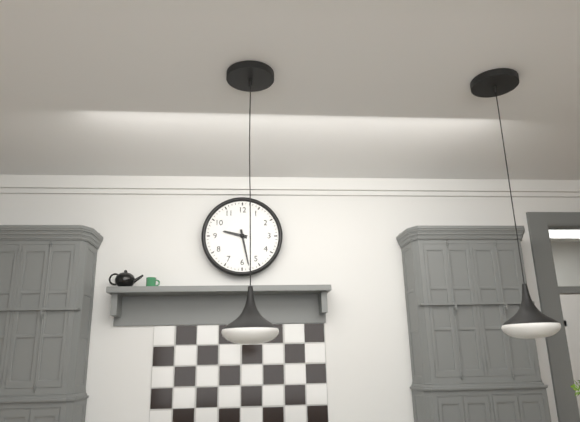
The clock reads 9,28
